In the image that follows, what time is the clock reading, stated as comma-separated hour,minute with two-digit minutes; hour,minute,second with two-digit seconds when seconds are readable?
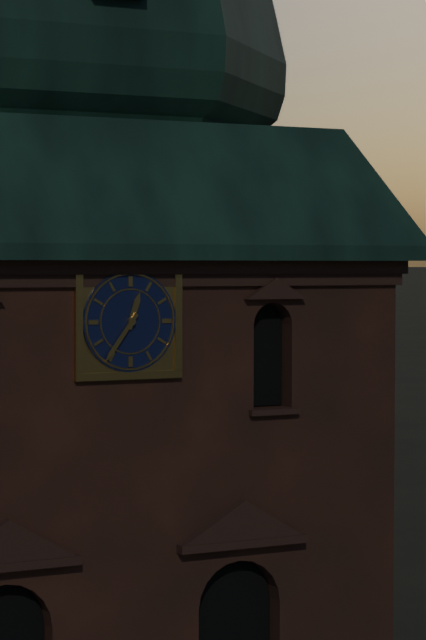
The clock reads 12,36
